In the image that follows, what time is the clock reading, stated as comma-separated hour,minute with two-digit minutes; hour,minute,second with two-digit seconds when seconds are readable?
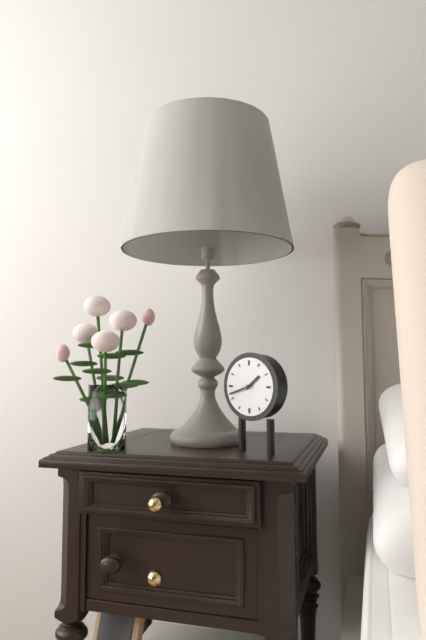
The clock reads 1,42
